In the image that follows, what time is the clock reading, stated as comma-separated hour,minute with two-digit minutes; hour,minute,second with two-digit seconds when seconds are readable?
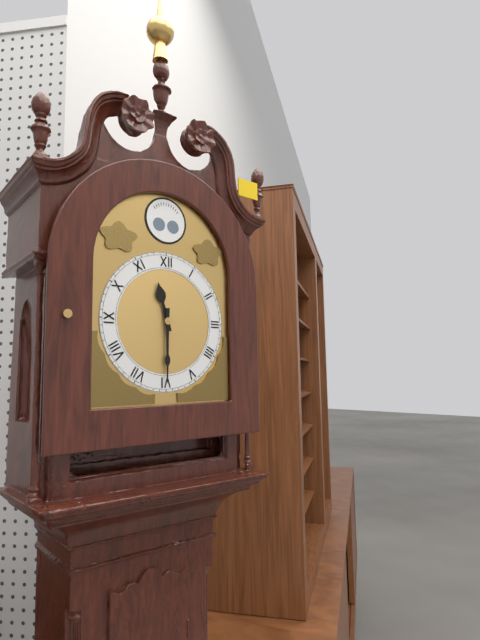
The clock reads 11,30
